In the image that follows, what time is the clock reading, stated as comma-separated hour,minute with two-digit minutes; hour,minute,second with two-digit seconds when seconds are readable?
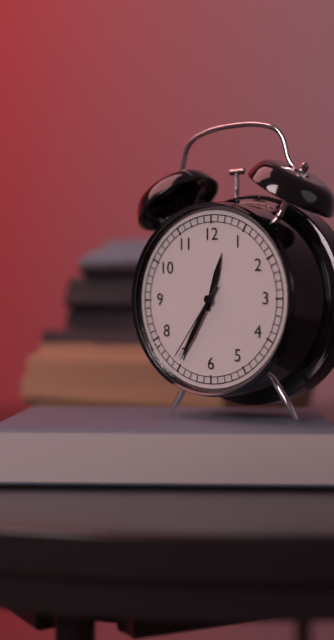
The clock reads 12,35,36
